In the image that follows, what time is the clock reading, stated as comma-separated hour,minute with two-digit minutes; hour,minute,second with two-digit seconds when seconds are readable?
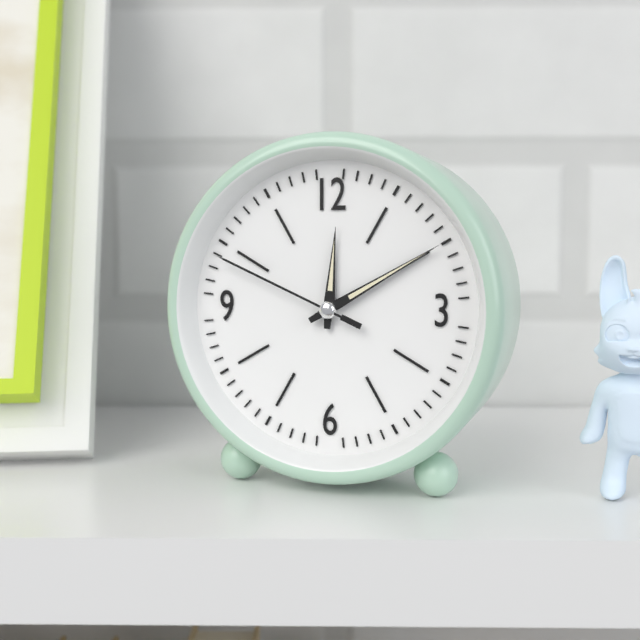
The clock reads 12,10,49
